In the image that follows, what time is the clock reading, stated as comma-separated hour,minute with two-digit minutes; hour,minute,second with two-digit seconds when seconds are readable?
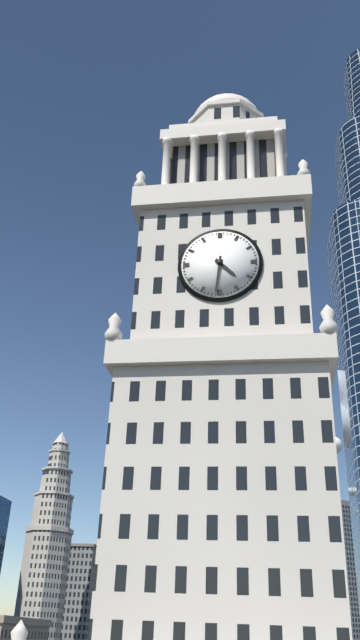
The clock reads 4,31
